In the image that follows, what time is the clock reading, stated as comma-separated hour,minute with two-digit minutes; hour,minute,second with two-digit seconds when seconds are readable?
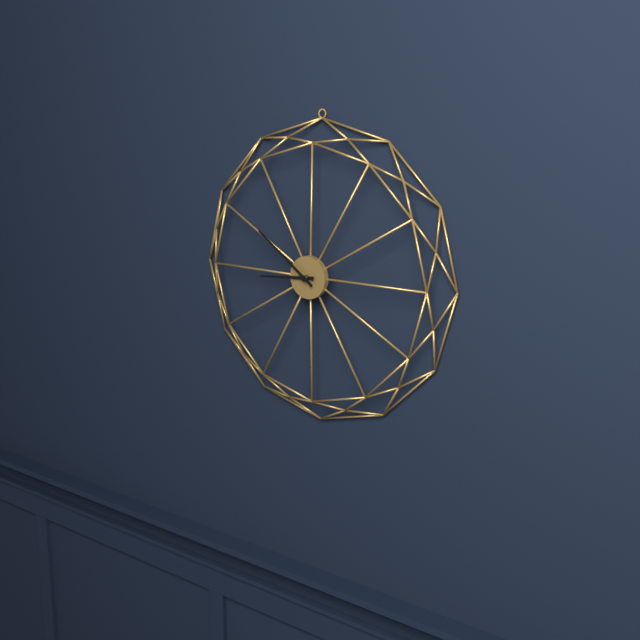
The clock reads 8,51
